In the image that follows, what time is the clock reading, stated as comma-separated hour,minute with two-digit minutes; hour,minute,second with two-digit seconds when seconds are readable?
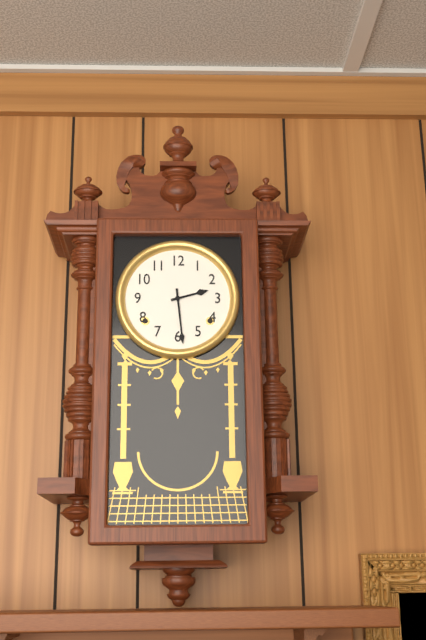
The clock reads 2,29
